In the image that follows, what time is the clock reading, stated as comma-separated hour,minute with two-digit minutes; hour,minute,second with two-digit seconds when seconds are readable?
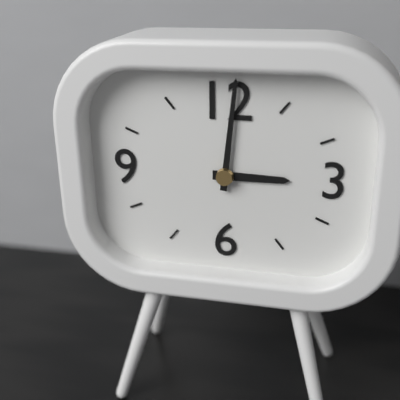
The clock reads 3,01
